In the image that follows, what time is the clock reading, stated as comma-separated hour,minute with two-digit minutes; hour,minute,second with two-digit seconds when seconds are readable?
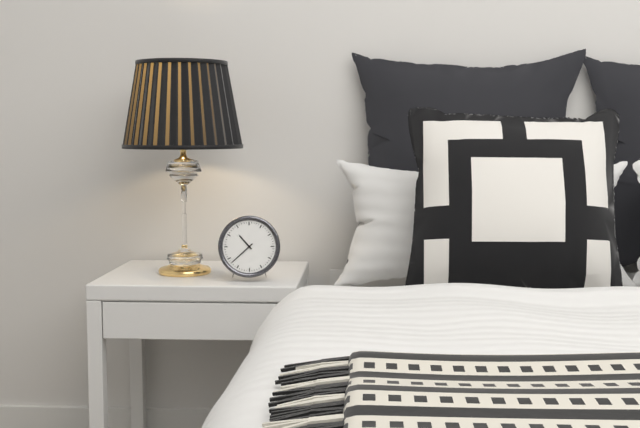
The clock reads 10,38
